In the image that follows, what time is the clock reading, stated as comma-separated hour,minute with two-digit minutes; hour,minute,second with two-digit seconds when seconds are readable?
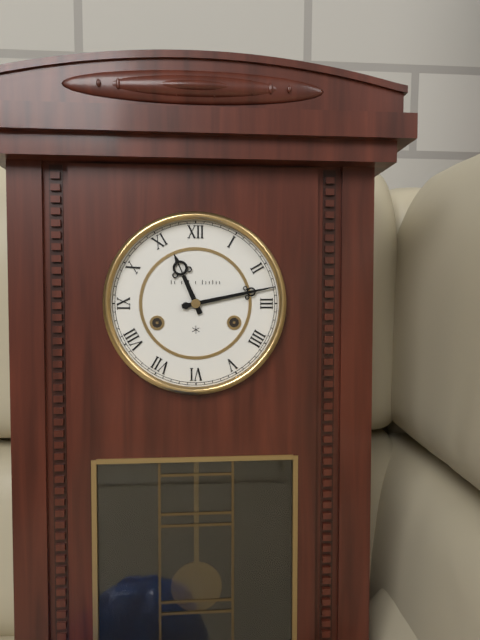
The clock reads 11,13
